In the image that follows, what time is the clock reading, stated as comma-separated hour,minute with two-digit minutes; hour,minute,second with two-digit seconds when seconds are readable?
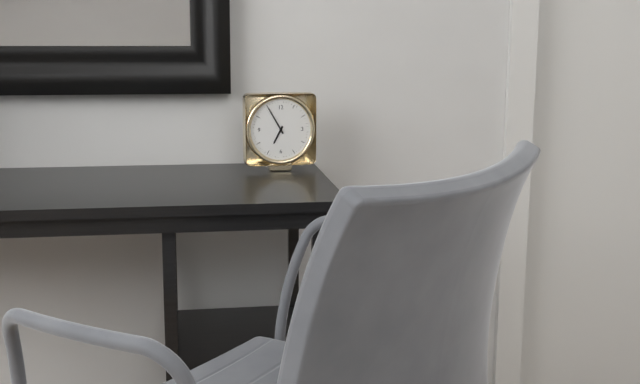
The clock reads 6,55
